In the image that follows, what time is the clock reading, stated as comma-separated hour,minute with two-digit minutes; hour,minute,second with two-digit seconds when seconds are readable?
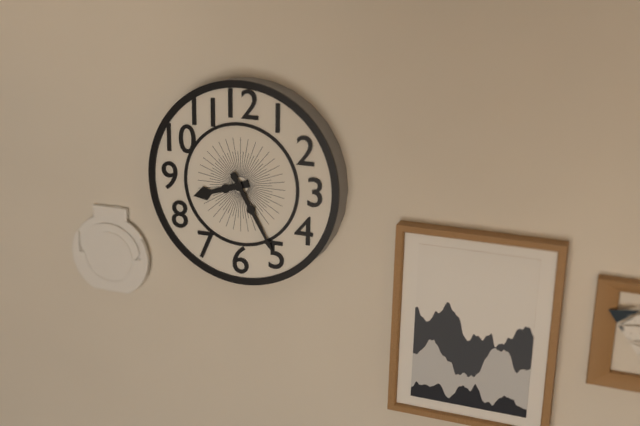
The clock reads 8,25
